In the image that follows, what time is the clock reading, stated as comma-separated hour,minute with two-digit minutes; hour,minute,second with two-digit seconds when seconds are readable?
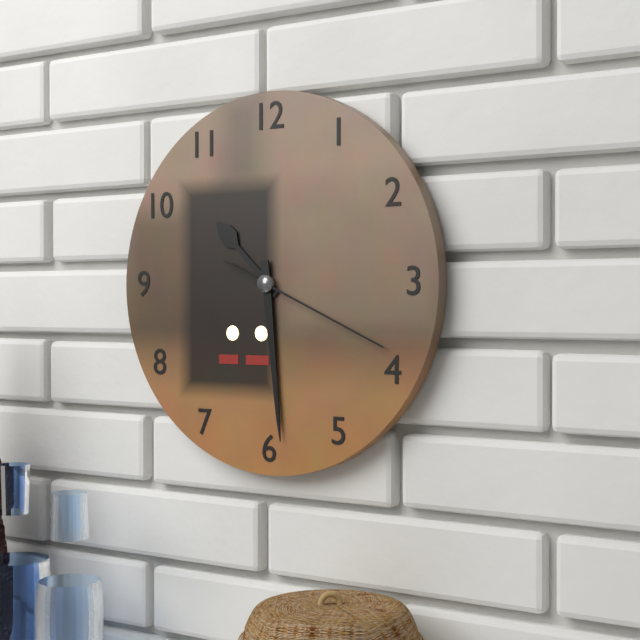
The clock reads 10,29,19
